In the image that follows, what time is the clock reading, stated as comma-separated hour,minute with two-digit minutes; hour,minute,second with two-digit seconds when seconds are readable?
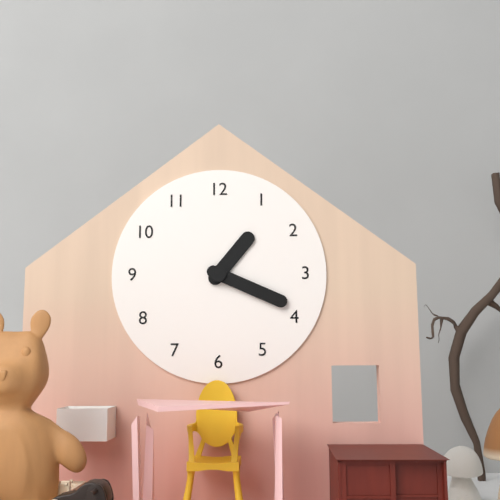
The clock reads 1,19
